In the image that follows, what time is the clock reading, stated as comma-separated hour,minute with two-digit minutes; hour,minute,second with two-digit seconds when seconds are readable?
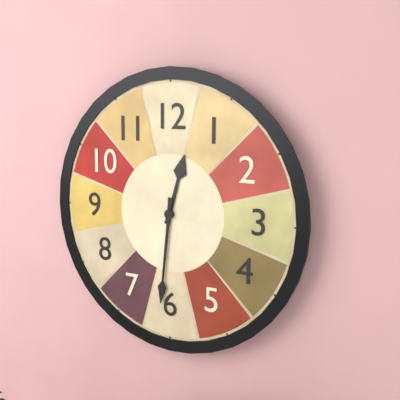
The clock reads 12,31
